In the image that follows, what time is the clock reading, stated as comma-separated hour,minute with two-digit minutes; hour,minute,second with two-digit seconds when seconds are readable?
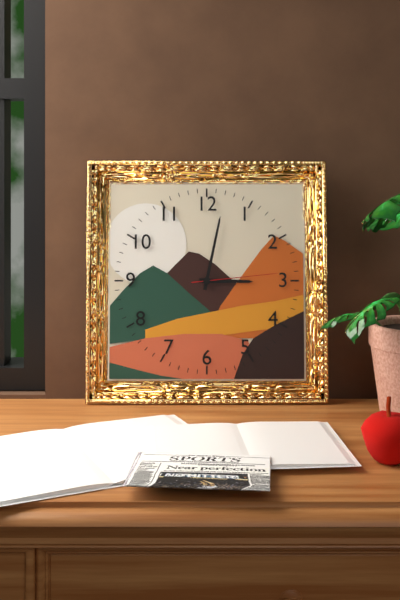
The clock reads 3,02,14
